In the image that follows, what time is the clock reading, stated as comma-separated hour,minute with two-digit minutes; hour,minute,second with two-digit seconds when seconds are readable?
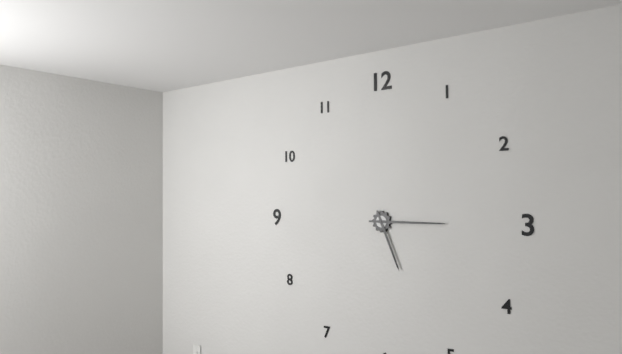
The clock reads 5,15
